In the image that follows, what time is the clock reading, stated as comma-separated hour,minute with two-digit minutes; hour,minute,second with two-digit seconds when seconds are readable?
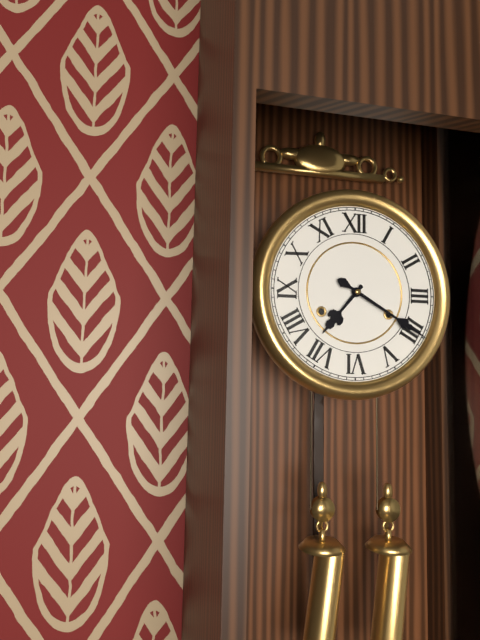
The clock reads 7,20
